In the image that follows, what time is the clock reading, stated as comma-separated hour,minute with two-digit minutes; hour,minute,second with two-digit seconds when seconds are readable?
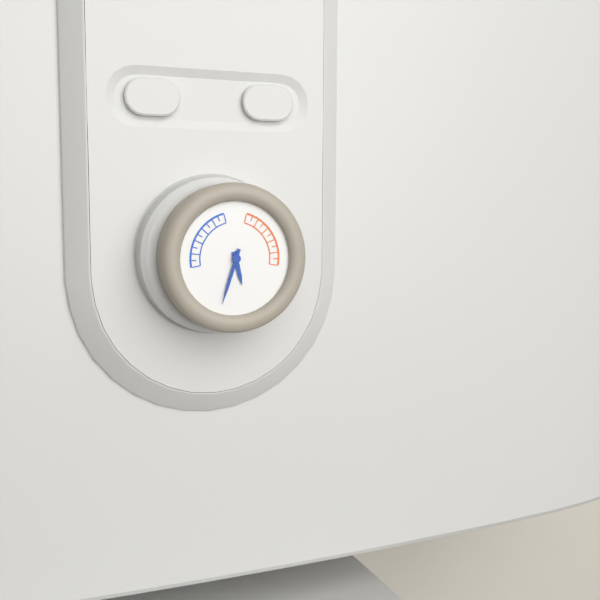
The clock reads 5,33
